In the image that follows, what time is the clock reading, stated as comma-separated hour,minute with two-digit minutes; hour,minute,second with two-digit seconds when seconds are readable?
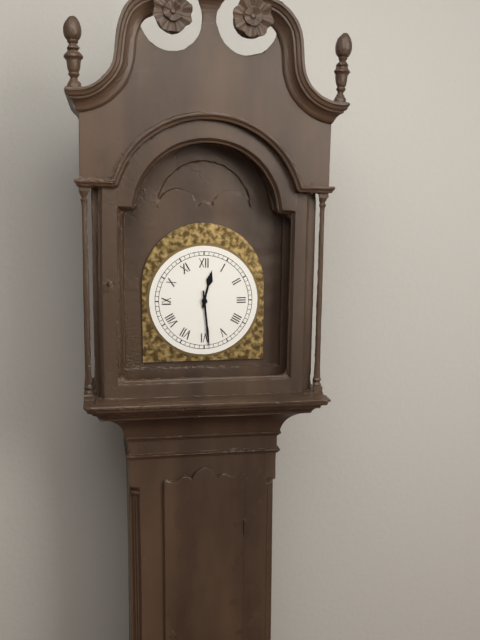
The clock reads 12,29
